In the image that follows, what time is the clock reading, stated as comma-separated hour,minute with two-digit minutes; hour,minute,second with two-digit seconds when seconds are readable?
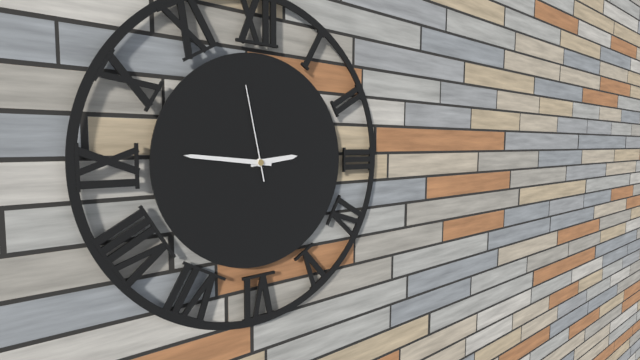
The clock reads 2,46,58
